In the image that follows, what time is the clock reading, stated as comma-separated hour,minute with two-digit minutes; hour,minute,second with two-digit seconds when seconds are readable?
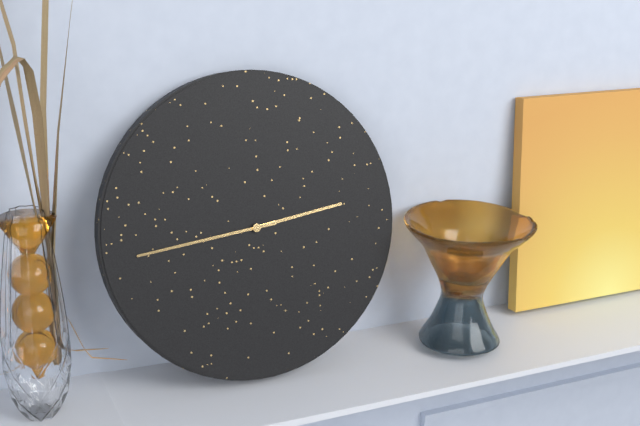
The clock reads 2,44
